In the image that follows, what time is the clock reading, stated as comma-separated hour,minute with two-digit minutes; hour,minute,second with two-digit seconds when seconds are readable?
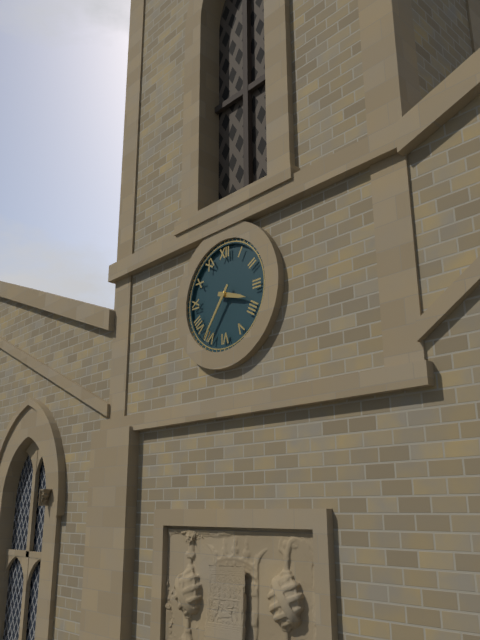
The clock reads 3,36
